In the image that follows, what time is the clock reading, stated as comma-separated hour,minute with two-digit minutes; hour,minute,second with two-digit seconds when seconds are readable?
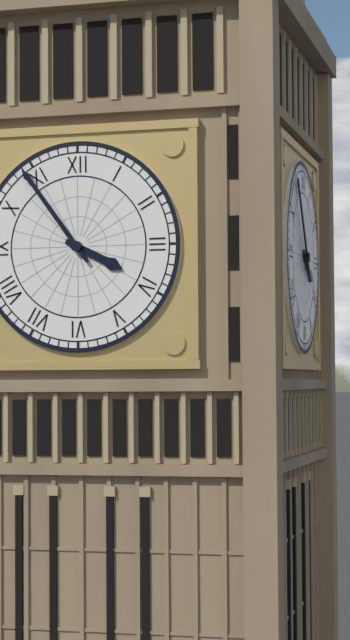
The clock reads 3,54
